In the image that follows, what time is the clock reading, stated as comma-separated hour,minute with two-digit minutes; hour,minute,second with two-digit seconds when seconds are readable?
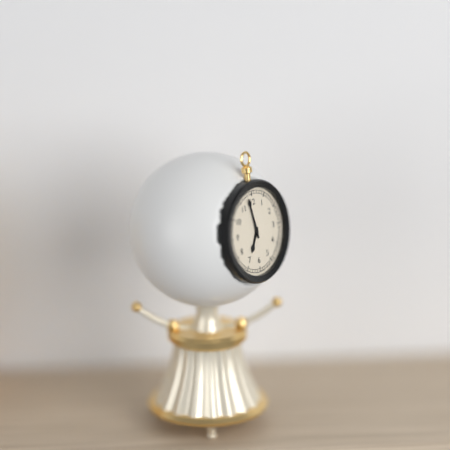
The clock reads 6,58
